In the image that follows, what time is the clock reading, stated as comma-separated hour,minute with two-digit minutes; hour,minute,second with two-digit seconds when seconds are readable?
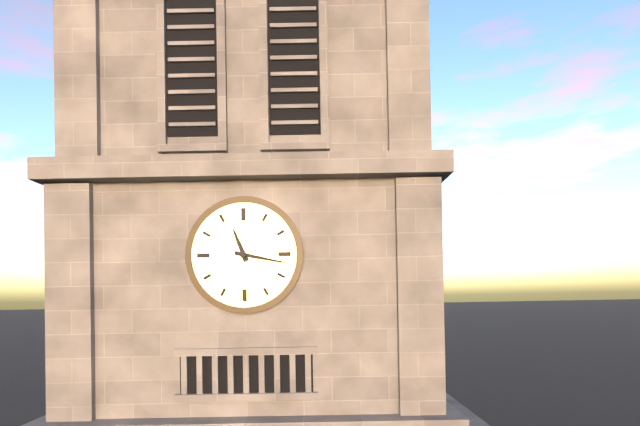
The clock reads 11,17
